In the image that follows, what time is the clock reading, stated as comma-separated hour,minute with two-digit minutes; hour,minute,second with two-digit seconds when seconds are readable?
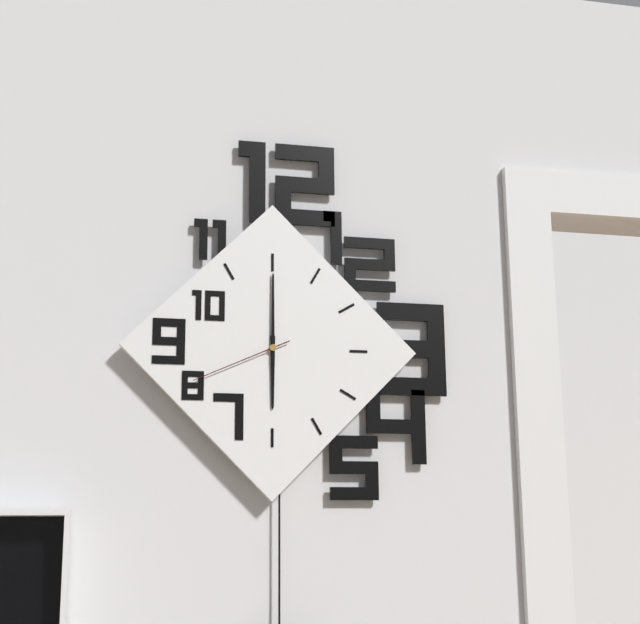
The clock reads 6,00,41
